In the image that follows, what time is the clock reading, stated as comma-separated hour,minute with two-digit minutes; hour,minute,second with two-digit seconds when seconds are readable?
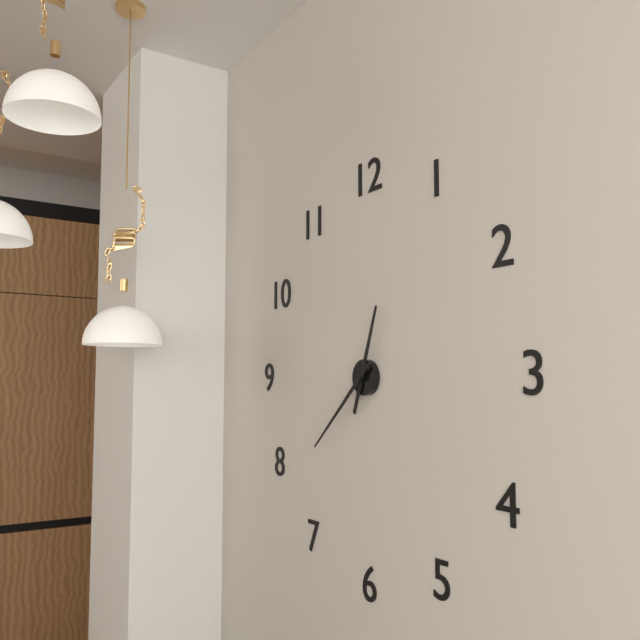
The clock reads 12,38
